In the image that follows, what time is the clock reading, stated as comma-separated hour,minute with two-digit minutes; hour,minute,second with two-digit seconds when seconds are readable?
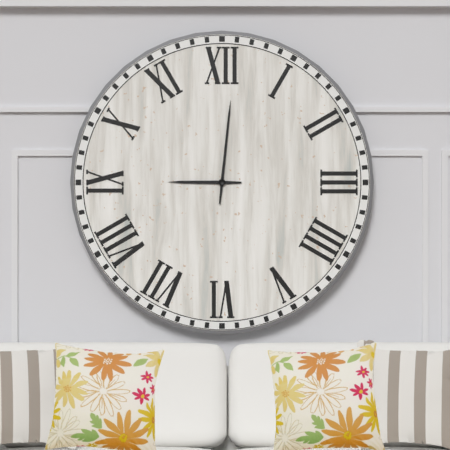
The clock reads 9,01
